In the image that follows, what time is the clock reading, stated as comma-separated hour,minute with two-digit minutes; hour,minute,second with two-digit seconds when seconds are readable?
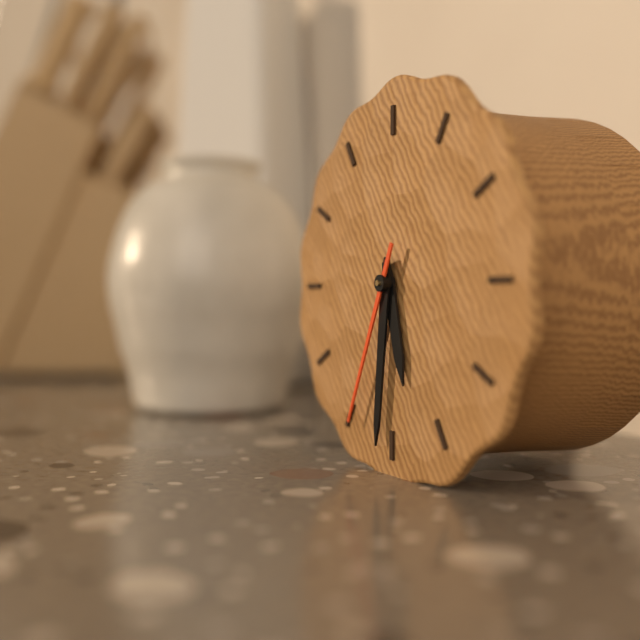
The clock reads 5,31,34
